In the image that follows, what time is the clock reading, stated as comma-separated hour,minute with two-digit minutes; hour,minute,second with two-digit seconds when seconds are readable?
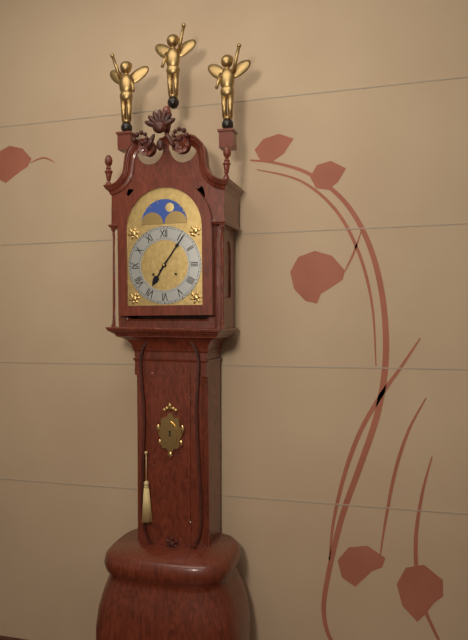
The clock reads 7,06
